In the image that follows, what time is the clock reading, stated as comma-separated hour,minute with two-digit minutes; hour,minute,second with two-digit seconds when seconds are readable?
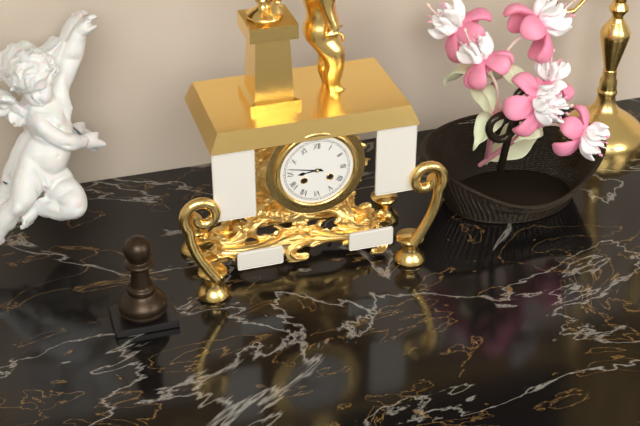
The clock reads 8,47
